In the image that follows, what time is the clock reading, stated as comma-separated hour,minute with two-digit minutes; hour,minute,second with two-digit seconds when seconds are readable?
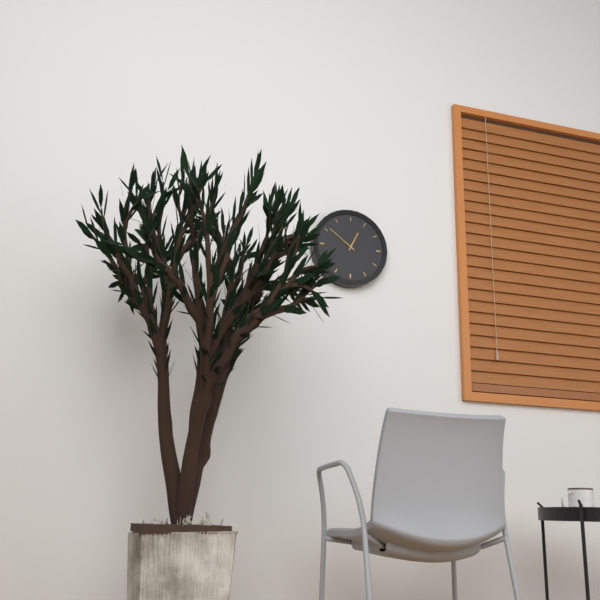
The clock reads 12,51
